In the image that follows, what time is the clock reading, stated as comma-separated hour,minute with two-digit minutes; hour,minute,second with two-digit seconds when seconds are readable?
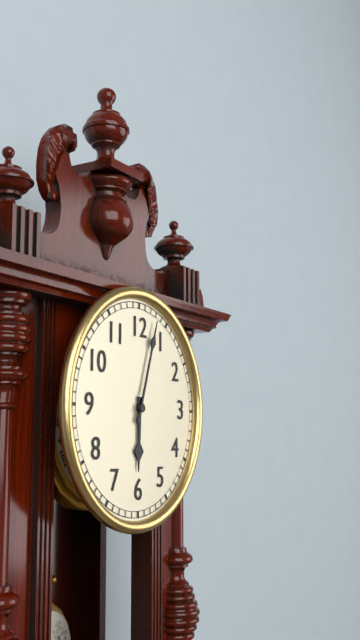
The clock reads 6,03
